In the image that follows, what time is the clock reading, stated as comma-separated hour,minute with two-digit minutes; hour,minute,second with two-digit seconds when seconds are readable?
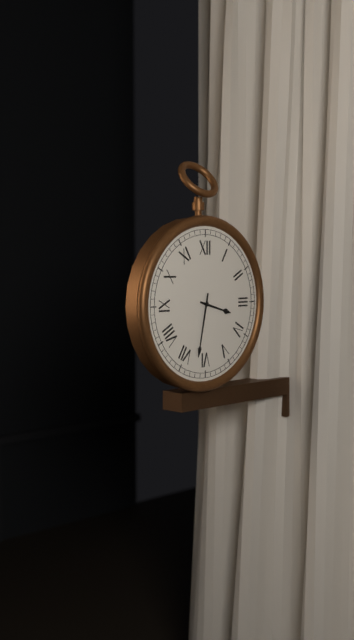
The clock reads 3,32
